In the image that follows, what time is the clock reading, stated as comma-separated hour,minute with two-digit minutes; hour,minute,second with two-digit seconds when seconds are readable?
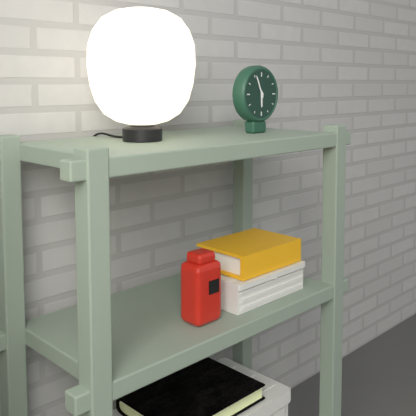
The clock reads 5,56
